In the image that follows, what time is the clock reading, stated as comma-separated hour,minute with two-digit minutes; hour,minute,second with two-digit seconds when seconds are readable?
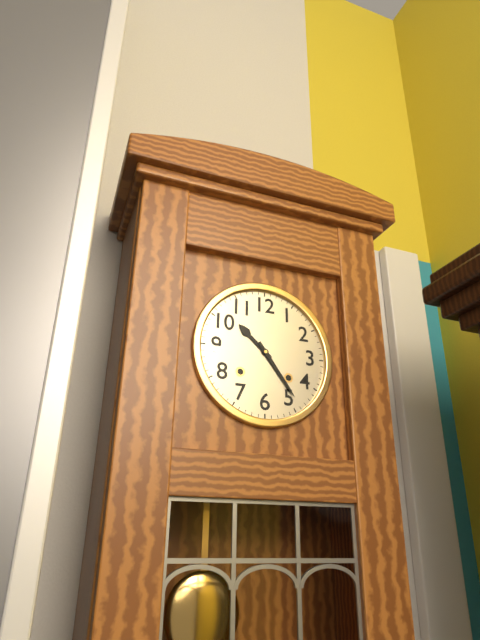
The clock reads 10,24
